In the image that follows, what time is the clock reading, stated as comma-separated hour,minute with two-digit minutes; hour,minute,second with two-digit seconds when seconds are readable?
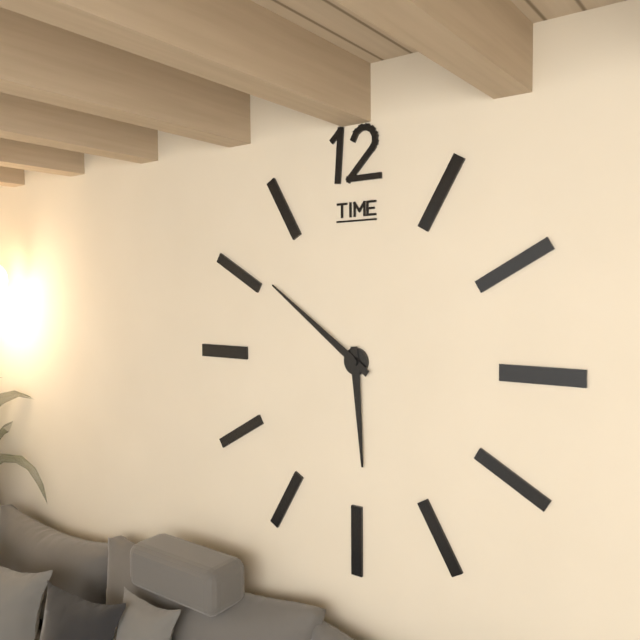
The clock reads 5,51
